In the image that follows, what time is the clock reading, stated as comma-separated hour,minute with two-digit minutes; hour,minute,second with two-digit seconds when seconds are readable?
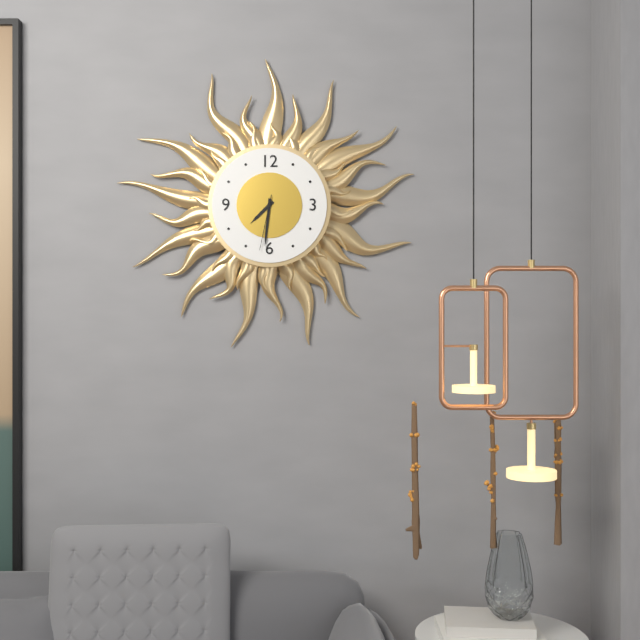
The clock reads 7,31,32
